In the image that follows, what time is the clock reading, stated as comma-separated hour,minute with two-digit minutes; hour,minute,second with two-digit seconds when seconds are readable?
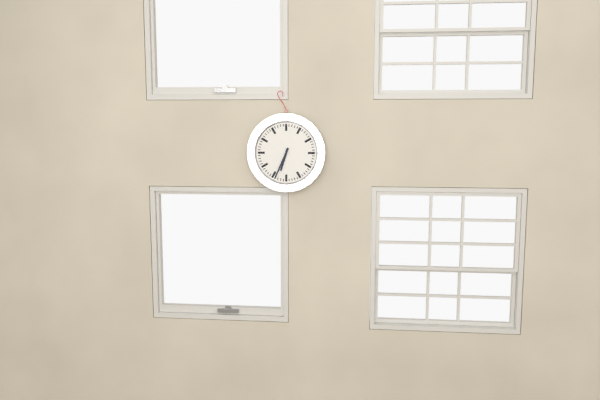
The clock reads 6,34
